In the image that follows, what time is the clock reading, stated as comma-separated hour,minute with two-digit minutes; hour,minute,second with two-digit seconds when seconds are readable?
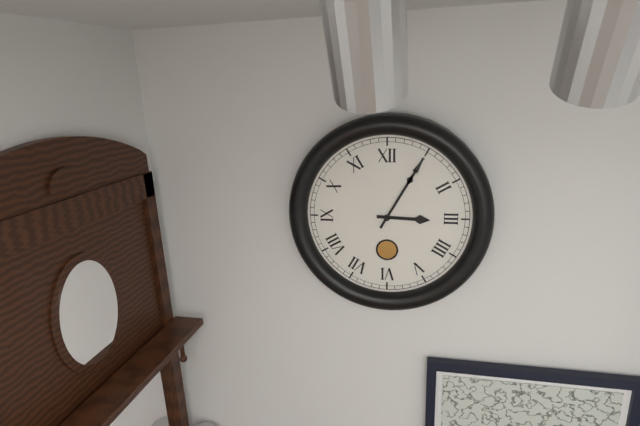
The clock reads 3,05
